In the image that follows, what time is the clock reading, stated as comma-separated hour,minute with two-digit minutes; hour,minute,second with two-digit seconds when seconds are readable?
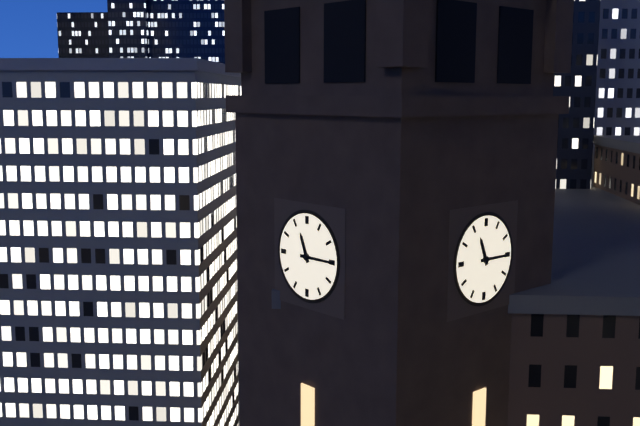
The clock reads 11,15
